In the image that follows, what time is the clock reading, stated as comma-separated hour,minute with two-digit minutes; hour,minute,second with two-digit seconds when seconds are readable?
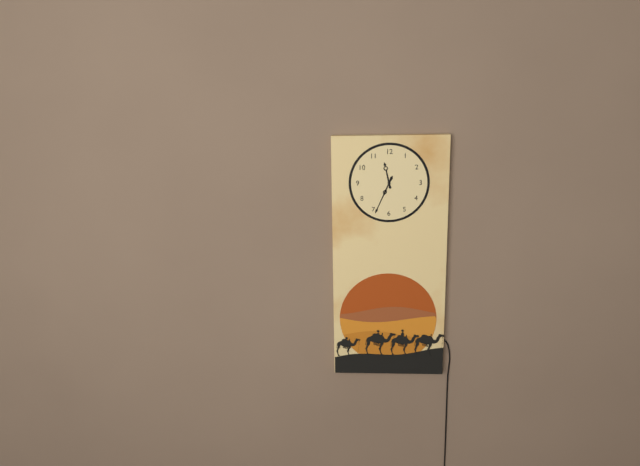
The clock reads 11,34
